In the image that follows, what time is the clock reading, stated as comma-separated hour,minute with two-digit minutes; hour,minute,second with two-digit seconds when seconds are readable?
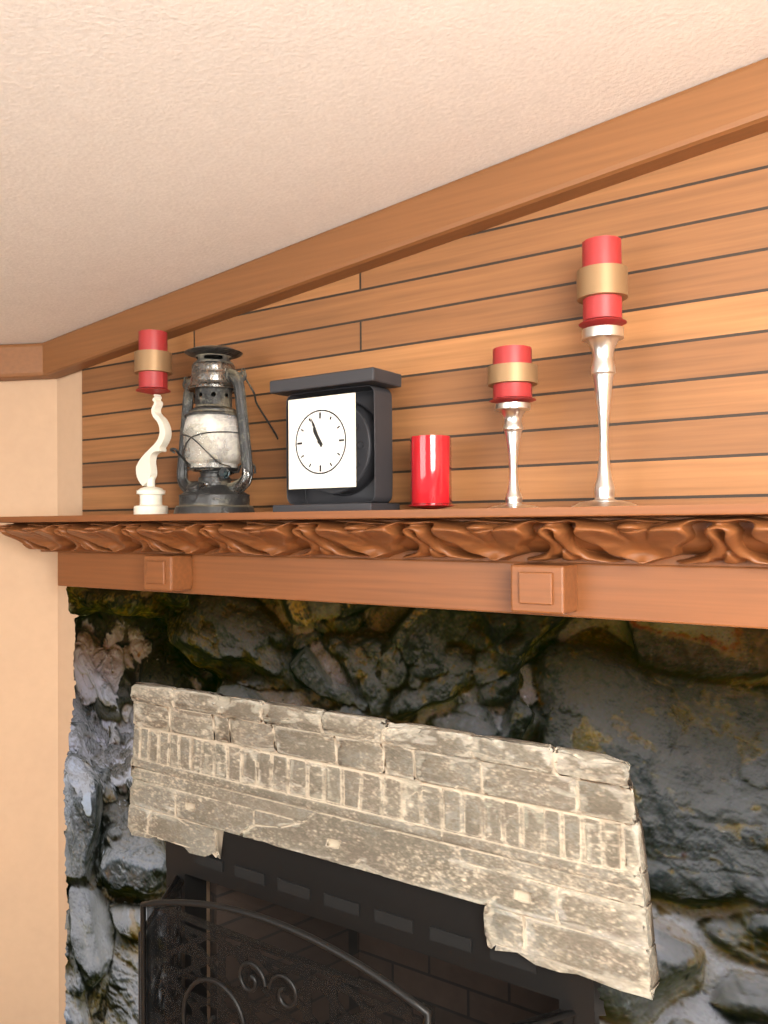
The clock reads 10,56
